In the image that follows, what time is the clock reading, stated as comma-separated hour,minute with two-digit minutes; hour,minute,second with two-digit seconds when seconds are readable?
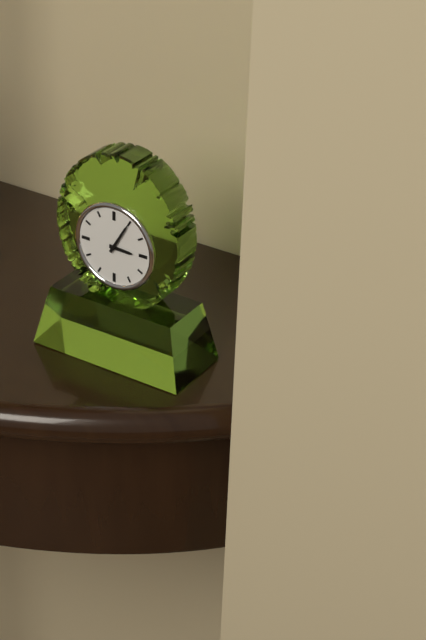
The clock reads 3,05
